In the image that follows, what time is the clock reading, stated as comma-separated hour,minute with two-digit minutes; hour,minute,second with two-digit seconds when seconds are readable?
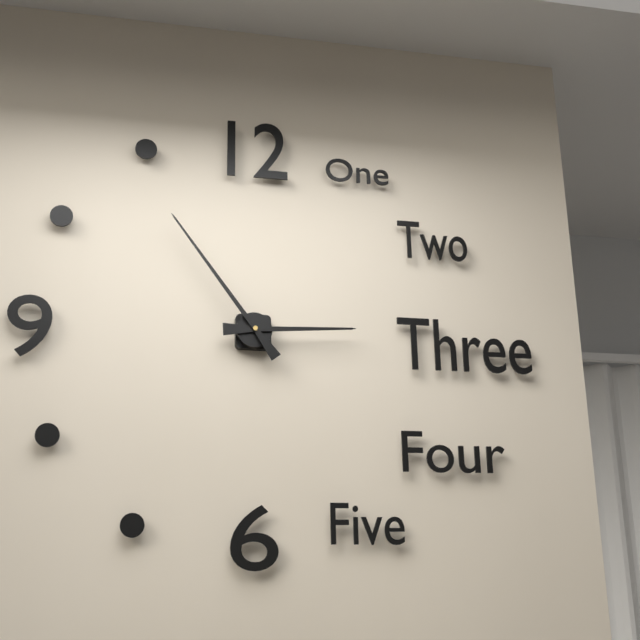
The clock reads 2,54
